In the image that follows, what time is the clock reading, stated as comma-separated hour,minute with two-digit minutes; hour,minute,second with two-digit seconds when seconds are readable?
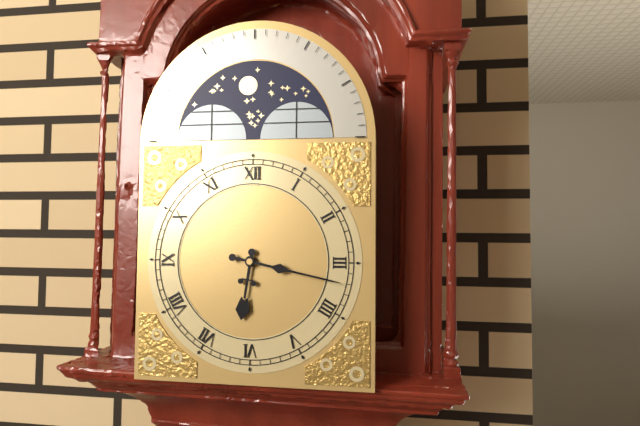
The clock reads 6,17
